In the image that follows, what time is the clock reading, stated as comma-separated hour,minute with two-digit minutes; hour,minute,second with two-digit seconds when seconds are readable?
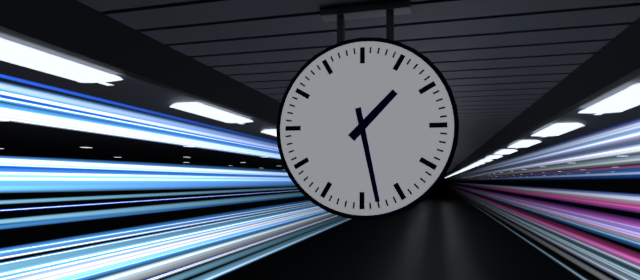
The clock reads 1,28
